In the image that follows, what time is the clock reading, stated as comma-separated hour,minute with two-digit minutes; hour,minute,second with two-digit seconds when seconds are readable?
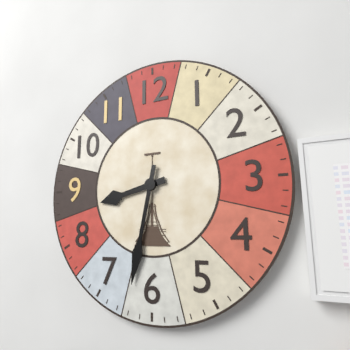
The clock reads 8,32
